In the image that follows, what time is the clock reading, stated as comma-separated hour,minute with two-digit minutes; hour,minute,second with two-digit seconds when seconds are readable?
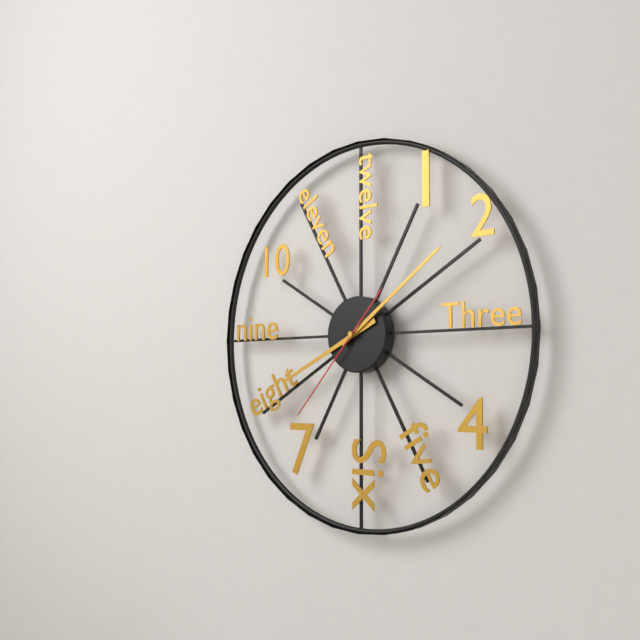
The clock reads 8,09,37
